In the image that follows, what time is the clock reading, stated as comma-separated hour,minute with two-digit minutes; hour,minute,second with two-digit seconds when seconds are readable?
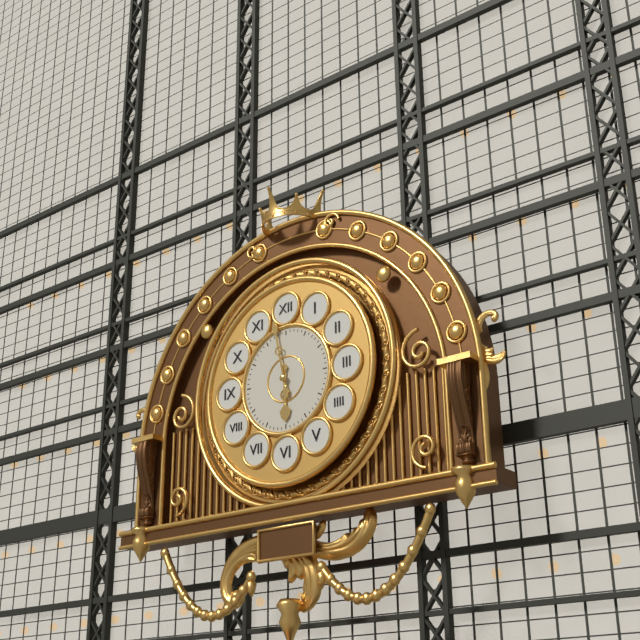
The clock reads 5,58
